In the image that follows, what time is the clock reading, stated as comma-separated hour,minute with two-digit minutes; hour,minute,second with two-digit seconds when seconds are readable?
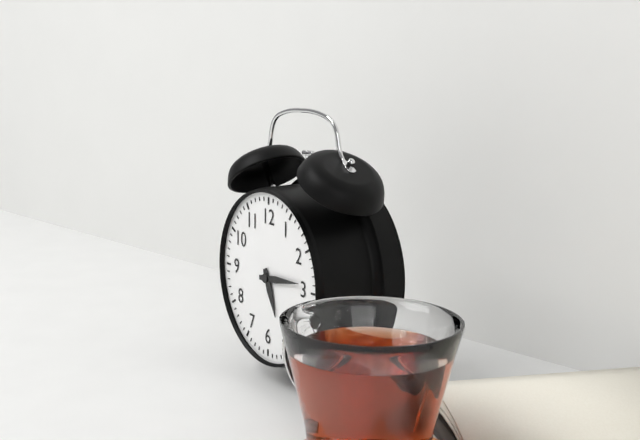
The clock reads 5,14
